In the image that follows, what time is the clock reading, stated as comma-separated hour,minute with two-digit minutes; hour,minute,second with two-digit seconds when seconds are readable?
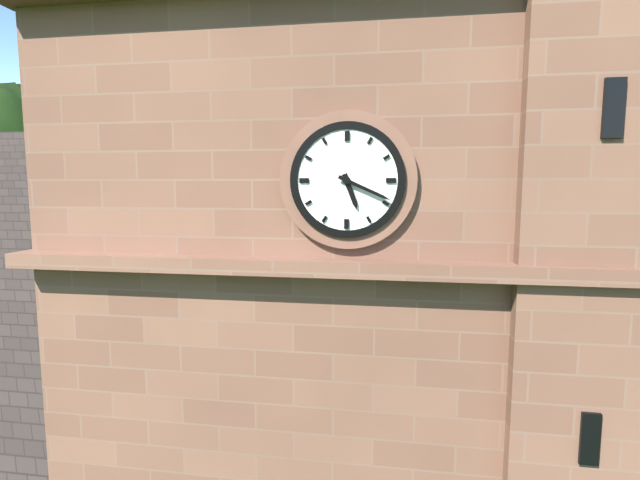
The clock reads 5,19
